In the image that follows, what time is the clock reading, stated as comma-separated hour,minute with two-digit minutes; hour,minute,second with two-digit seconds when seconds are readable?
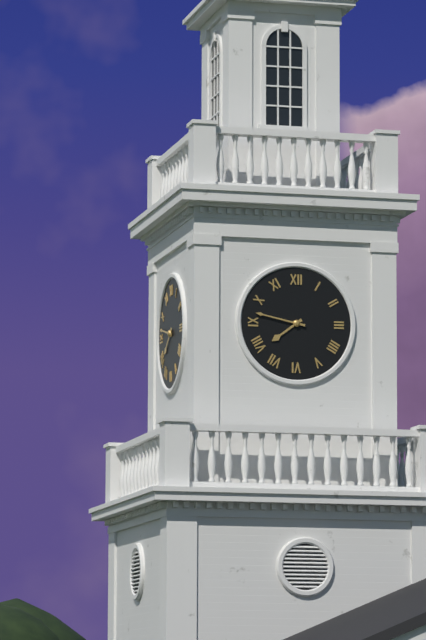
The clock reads 7,47
